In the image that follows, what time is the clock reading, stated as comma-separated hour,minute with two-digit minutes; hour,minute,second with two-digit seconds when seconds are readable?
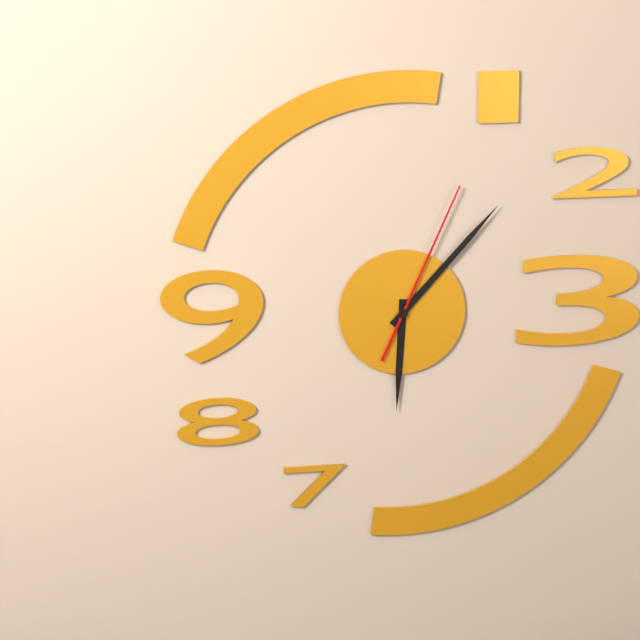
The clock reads 6,07,04
